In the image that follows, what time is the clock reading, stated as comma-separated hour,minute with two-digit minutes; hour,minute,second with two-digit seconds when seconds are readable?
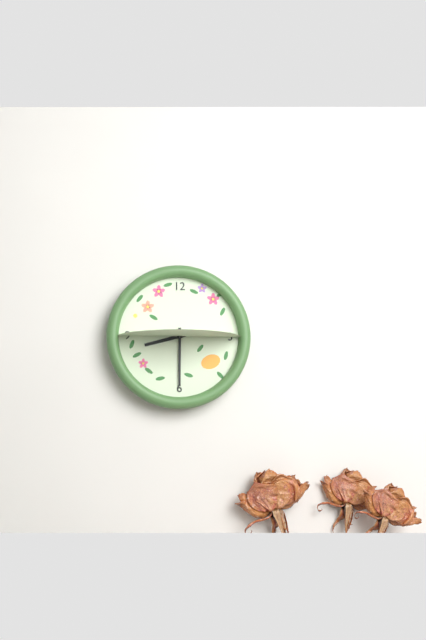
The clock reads 8,30
